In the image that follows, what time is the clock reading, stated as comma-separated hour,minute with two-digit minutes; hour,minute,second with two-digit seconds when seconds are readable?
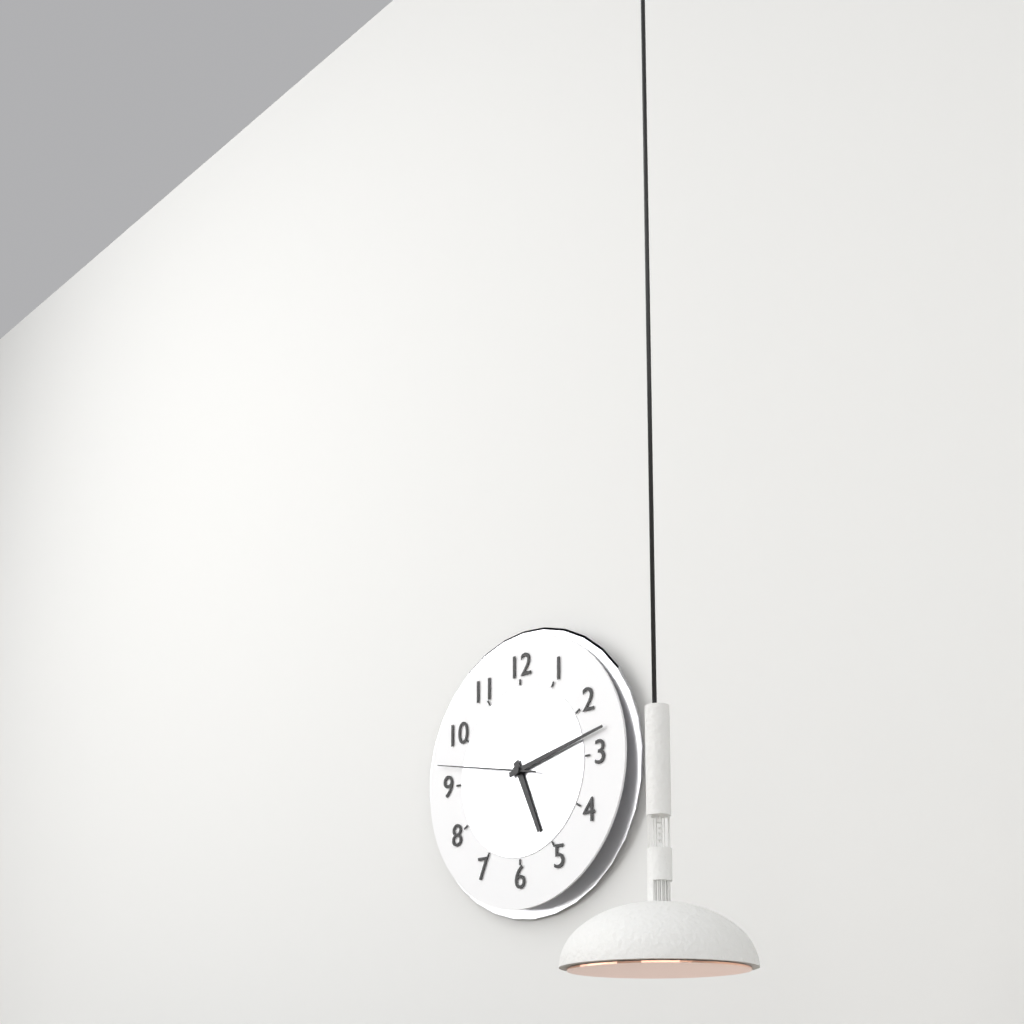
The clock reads 5,13,47
